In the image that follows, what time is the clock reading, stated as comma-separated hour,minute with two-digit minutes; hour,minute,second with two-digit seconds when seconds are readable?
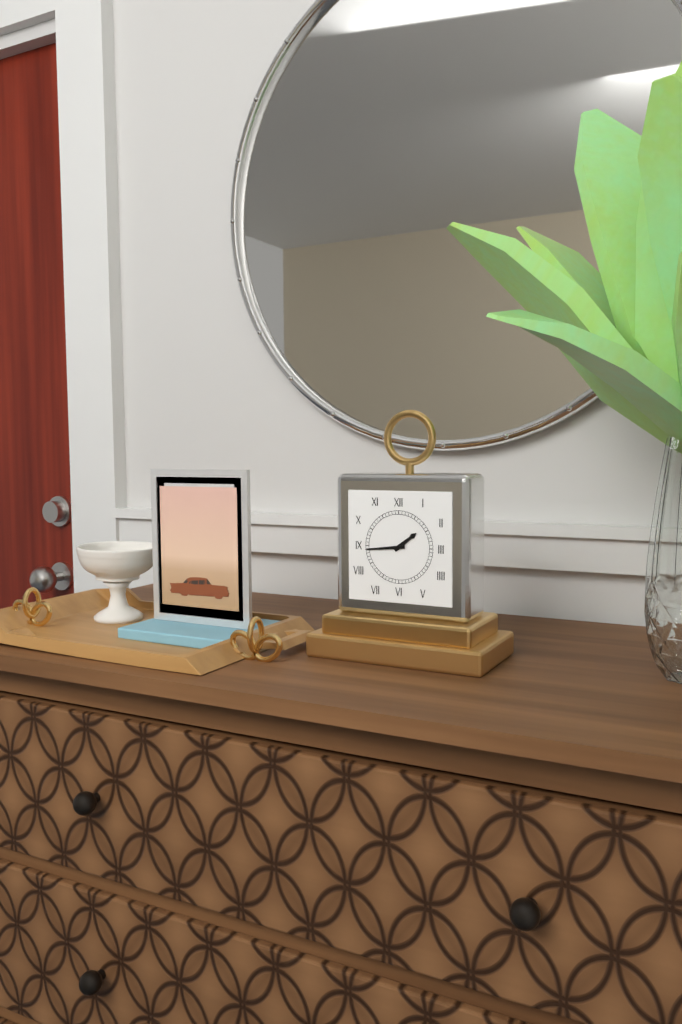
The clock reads 1,44
